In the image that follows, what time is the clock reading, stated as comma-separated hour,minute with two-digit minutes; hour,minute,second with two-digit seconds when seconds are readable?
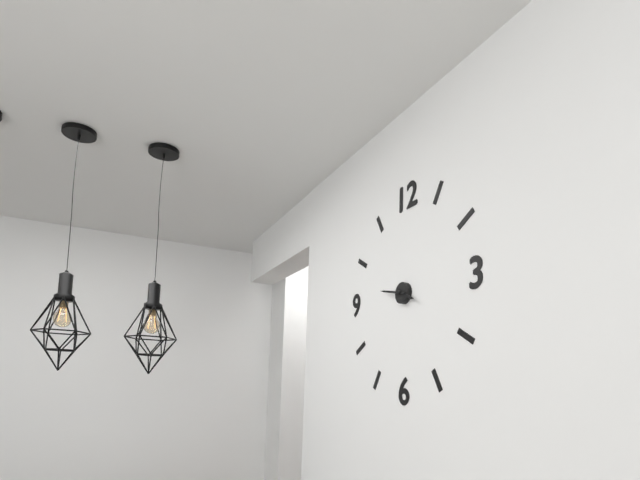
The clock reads 3,47
